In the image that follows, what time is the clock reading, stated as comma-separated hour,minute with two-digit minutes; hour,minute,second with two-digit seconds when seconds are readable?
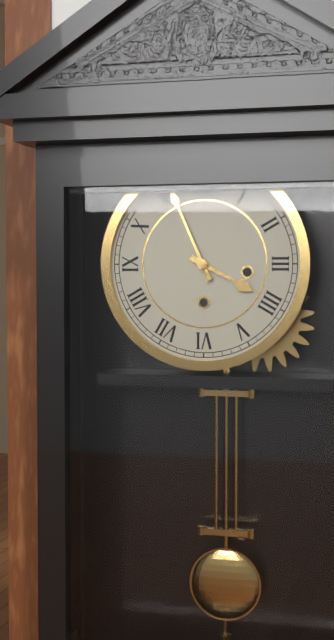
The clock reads 3,56
